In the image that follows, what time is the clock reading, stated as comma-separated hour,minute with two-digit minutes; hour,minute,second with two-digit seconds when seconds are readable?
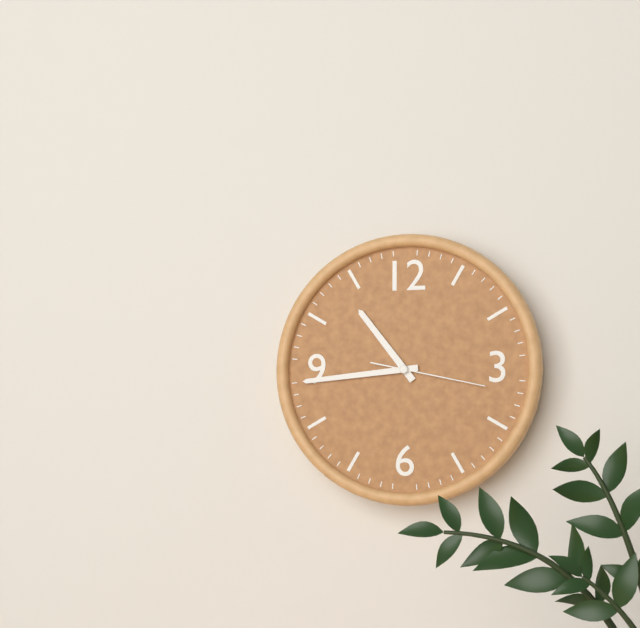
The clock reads 10,44,17
